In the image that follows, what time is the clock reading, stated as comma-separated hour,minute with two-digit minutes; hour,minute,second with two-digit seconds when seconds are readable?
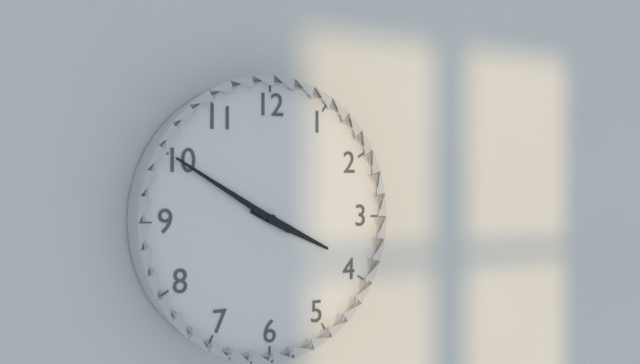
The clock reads 3,50
